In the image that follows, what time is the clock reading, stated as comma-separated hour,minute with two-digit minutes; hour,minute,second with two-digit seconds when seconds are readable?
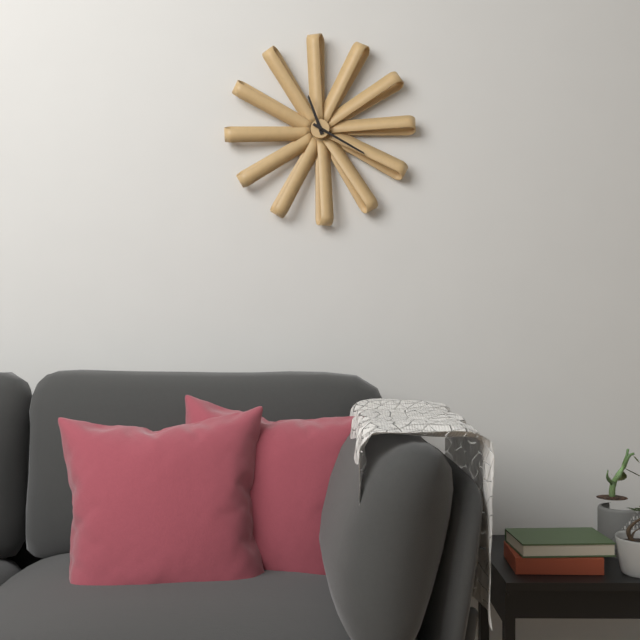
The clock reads 11,20
